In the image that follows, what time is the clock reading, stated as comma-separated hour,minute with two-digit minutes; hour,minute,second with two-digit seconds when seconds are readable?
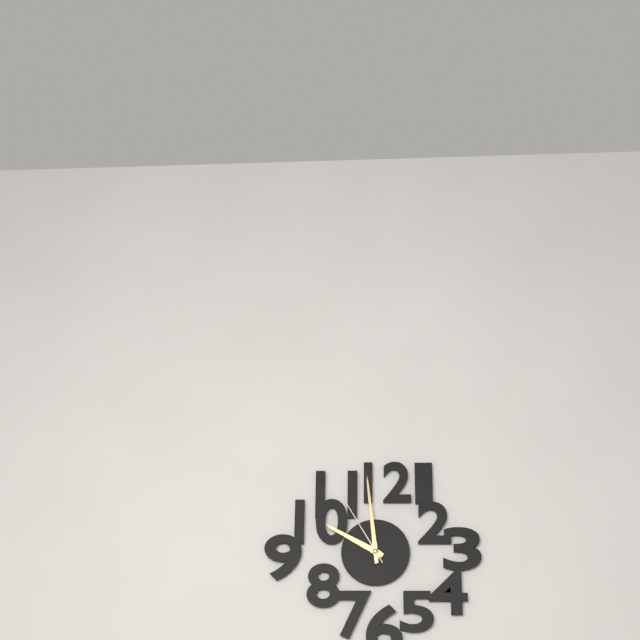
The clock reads 9,59,55
